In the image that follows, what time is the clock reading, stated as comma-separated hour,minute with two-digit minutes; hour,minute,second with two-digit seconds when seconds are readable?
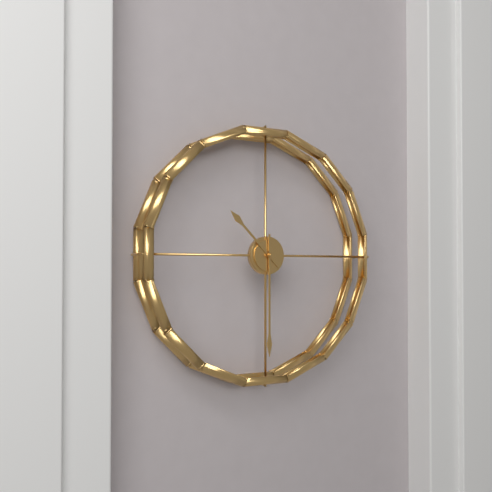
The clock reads 10,30
